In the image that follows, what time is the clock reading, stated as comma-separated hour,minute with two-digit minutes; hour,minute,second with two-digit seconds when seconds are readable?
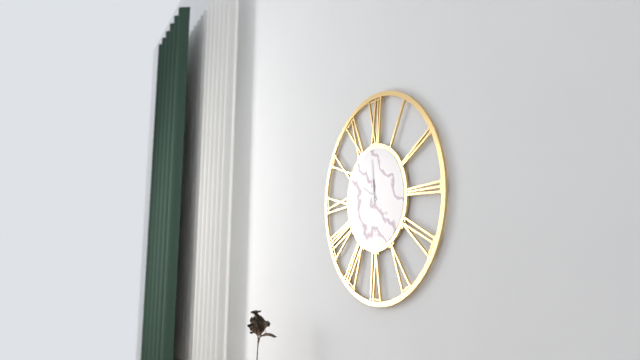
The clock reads 9,59
